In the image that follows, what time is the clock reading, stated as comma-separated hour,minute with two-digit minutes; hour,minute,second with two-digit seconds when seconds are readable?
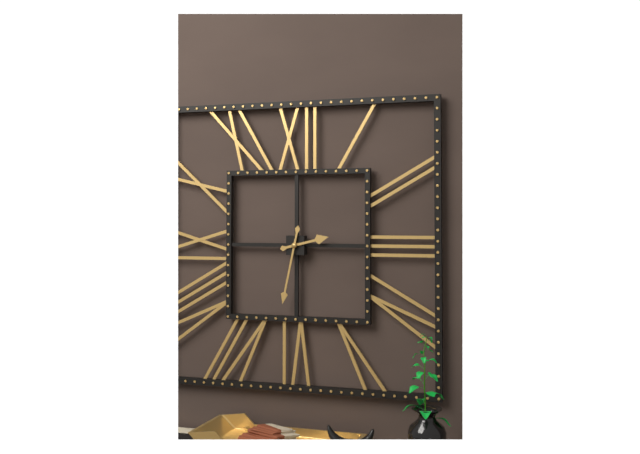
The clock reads 2,32
